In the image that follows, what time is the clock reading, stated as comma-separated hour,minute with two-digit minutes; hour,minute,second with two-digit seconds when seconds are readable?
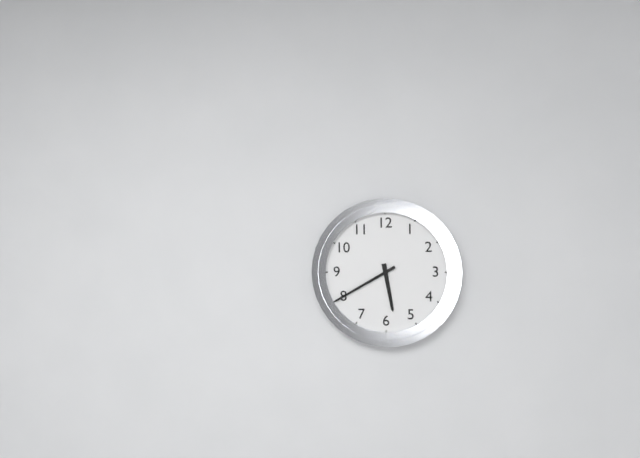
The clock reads 5,40
